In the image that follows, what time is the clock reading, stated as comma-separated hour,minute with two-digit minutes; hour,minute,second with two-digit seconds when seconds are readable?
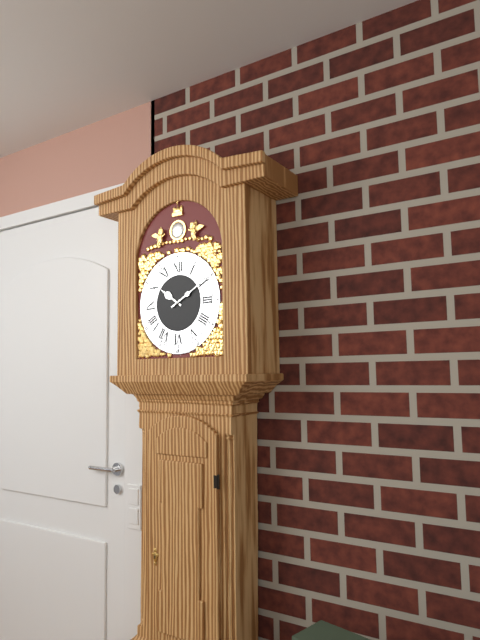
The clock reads 10,10
